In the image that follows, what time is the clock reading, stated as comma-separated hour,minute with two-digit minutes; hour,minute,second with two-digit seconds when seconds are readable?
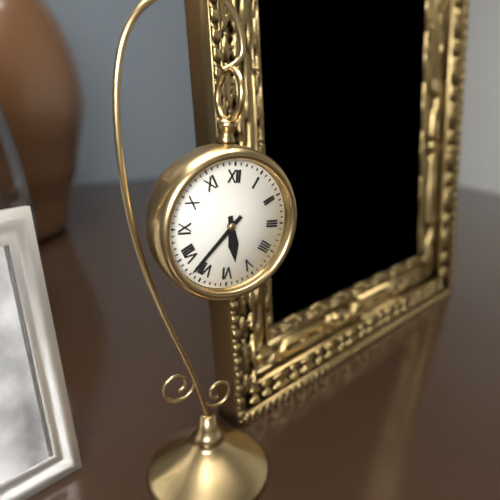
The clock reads 5,37
